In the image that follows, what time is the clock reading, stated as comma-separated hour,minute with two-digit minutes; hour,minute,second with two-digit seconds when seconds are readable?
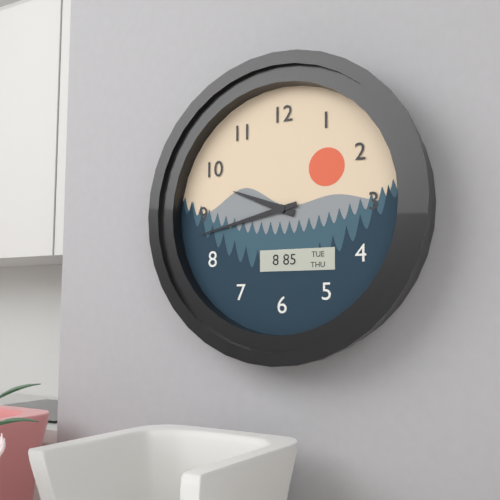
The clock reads 9,43
